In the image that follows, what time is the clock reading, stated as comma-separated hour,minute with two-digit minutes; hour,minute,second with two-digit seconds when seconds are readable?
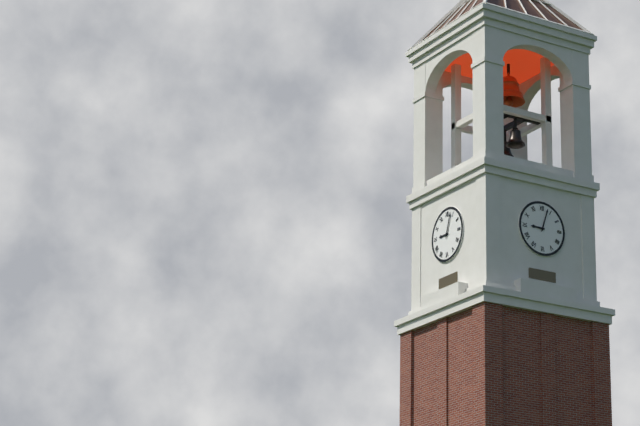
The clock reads 9,03
